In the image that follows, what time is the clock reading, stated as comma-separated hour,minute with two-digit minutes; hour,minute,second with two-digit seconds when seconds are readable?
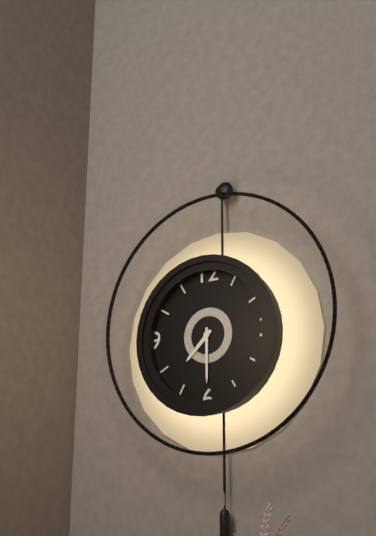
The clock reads 7,30
